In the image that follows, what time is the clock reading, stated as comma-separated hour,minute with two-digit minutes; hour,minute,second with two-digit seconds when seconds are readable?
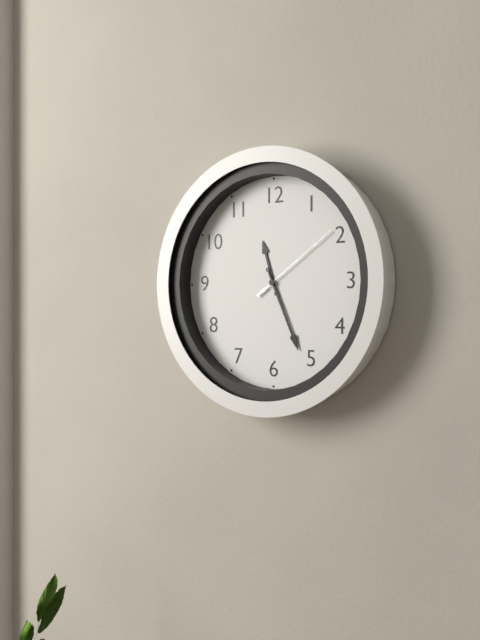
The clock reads 11,26,09
